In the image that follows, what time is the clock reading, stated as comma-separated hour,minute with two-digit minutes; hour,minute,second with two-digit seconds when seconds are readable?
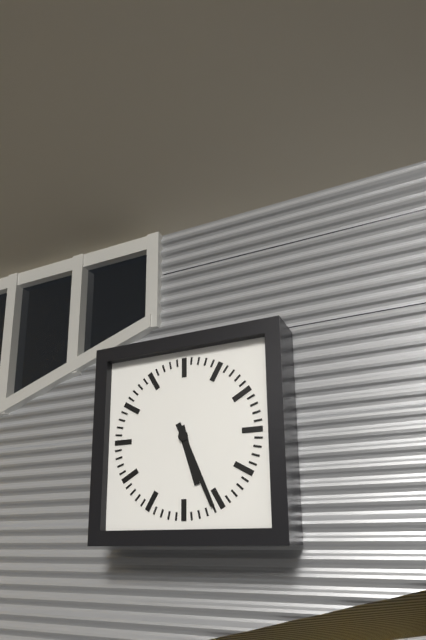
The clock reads 5,26
